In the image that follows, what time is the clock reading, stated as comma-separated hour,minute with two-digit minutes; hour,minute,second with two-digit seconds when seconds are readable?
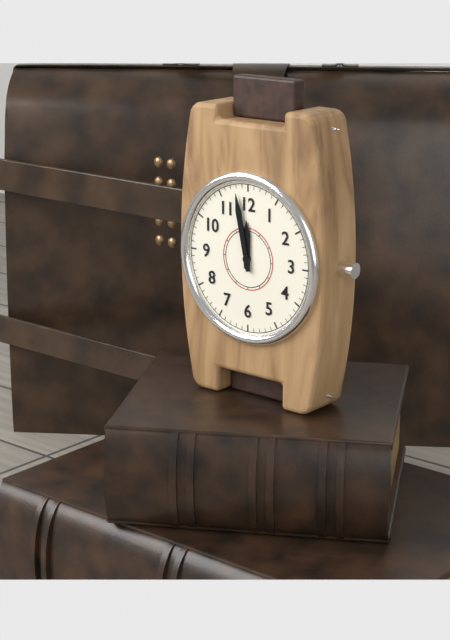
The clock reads 11,58
